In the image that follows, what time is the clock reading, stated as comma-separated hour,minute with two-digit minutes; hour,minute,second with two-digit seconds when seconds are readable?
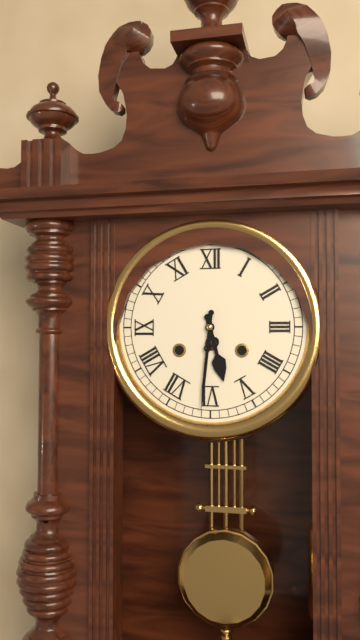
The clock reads 5,31
